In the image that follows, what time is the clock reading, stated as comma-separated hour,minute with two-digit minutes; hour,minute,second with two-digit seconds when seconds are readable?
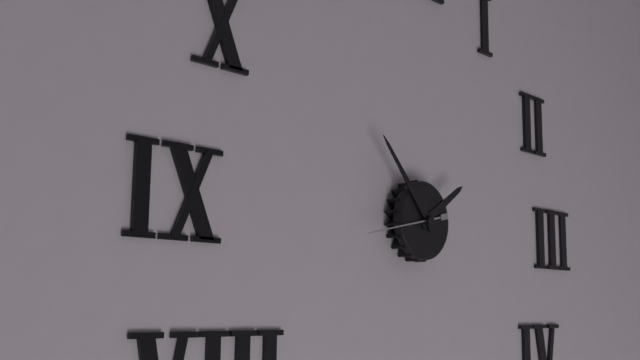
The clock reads 1,53,43
